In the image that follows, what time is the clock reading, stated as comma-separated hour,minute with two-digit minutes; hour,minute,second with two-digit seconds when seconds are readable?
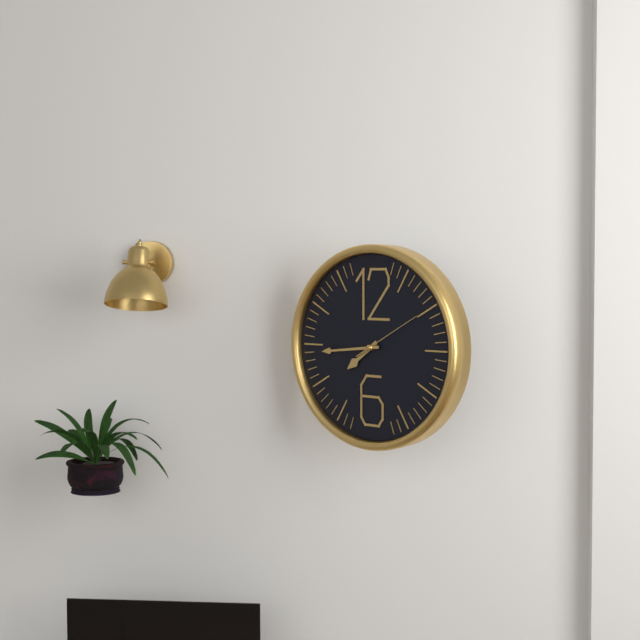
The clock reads 7,44,10
